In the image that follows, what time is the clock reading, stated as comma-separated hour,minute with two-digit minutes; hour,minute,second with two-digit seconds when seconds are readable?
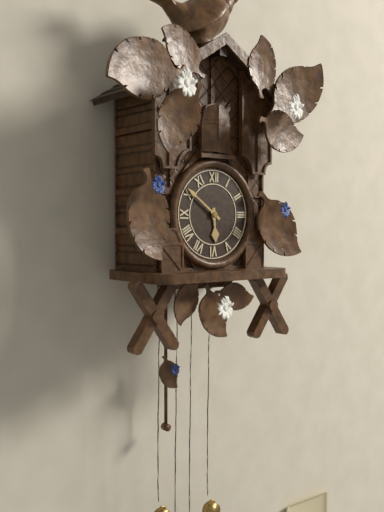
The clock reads 5,51
